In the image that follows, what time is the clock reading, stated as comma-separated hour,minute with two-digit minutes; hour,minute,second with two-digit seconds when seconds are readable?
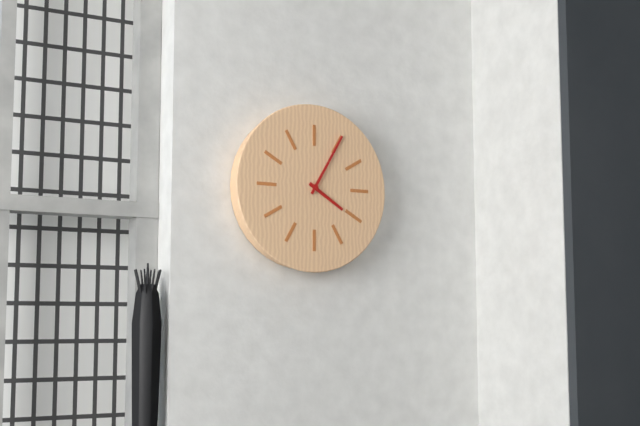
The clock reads 4,05
